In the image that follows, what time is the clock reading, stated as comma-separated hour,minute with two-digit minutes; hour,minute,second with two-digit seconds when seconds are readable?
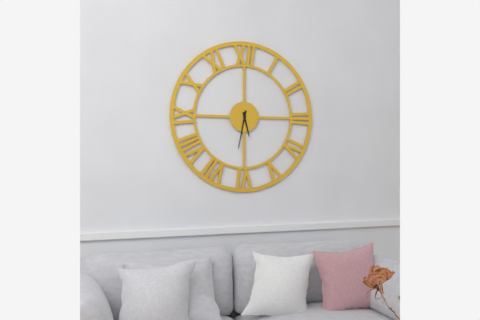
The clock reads 5,32
